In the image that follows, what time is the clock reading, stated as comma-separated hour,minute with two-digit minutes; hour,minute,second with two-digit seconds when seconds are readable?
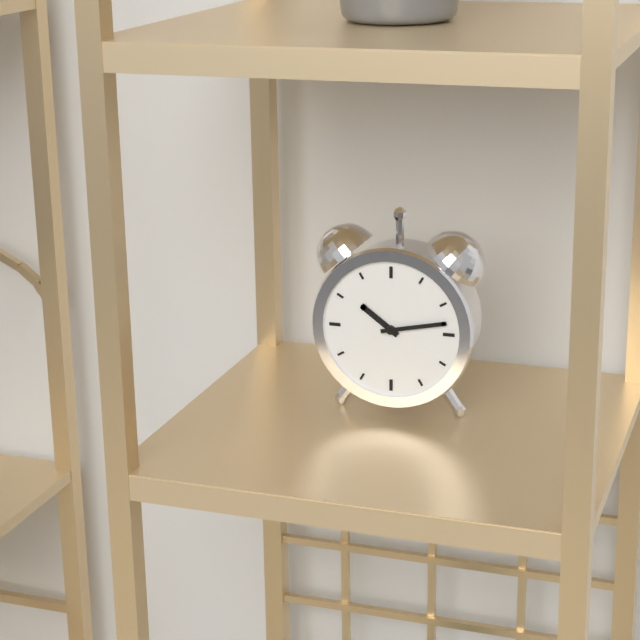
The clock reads 10,13
